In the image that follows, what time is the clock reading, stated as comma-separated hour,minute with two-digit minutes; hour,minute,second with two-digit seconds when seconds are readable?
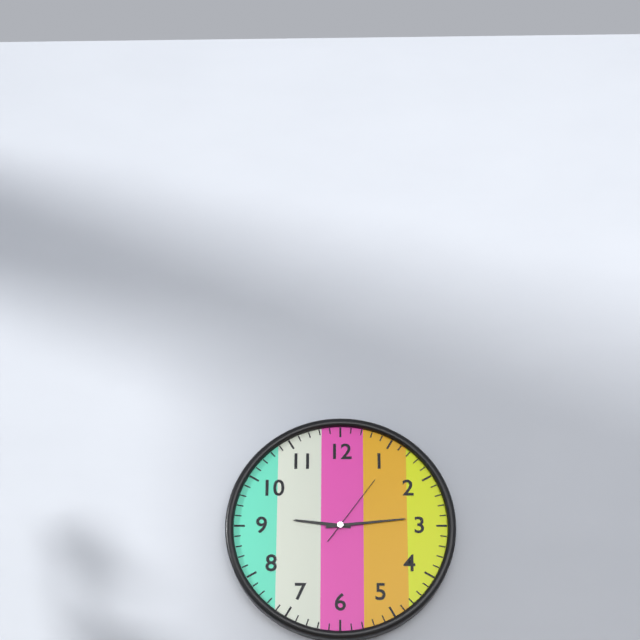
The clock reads 9,14,06
